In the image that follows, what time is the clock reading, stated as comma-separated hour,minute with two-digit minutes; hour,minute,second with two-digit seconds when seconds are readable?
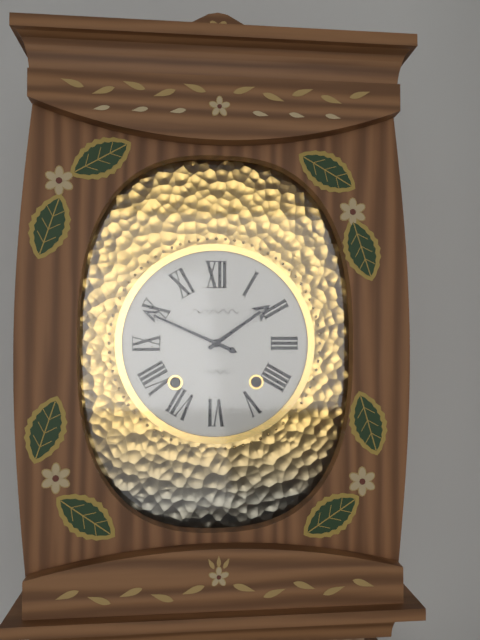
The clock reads 1,49
